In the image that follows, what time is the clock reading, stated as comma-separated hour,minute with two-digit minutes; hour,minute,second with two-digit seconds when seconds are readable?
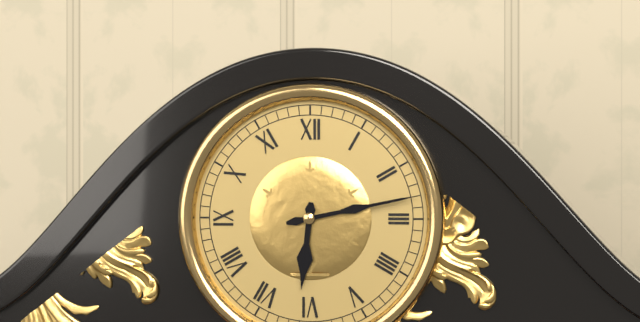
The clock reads 6,13
